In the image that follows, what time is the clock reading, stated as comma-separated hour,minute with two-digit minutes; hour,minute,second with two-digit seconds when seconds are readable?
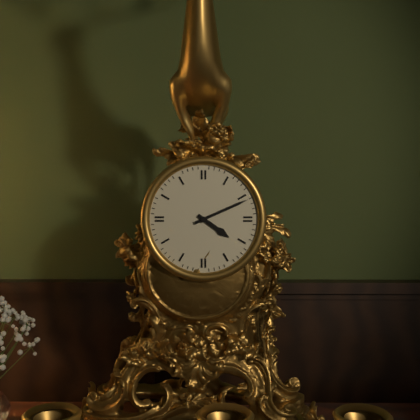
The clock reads 4,11
